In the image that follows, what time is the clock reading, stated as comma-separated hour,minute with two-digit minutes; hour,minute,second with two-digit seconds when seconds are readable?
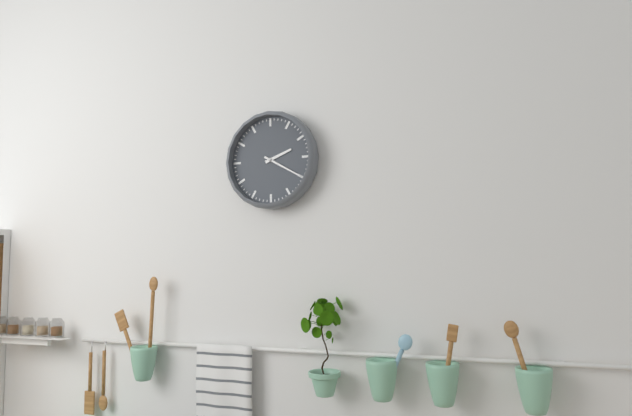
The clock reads 2,20
